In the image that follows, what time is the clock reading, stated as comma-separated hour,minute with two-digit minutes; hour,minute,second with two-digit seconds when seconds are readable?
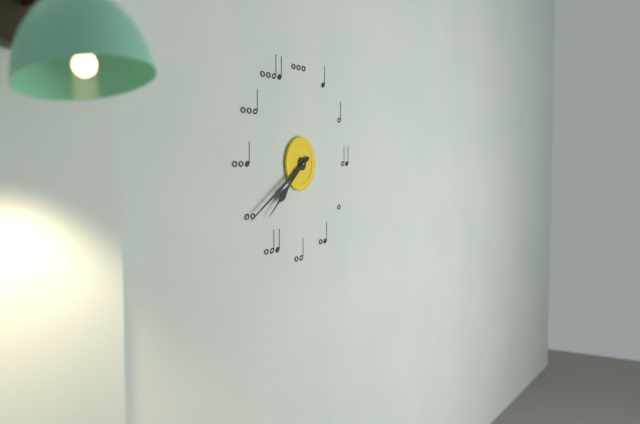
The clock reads 7,40
